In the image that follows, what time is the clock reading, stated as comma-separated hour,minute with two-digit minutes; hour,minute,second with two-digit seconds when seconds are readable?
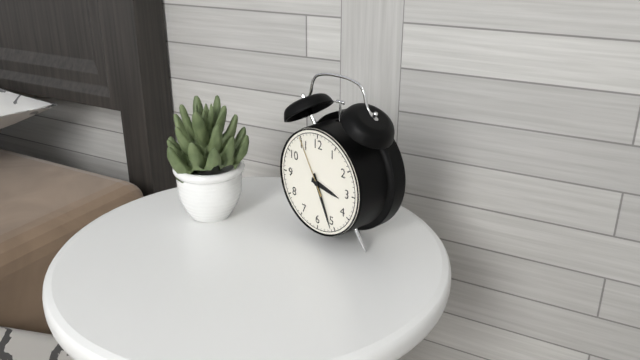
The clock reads 3,26,55
